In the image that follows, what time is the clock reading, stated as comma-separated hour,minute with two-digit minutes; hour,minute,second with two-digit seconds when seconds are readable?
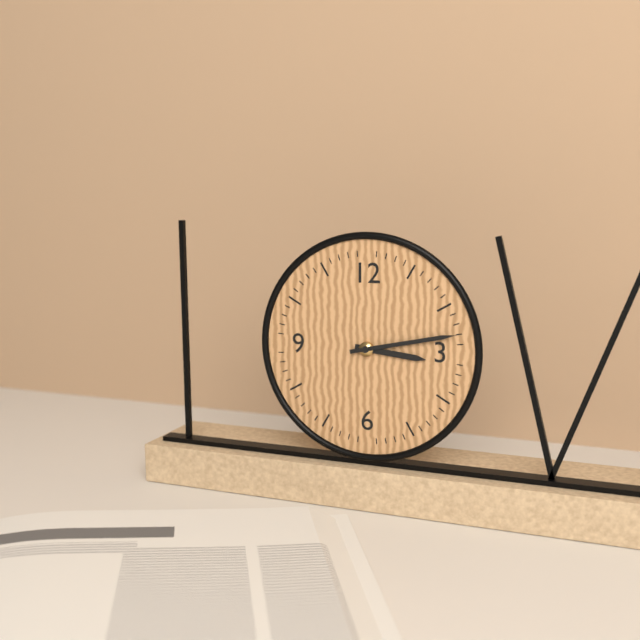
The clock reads 3,13
